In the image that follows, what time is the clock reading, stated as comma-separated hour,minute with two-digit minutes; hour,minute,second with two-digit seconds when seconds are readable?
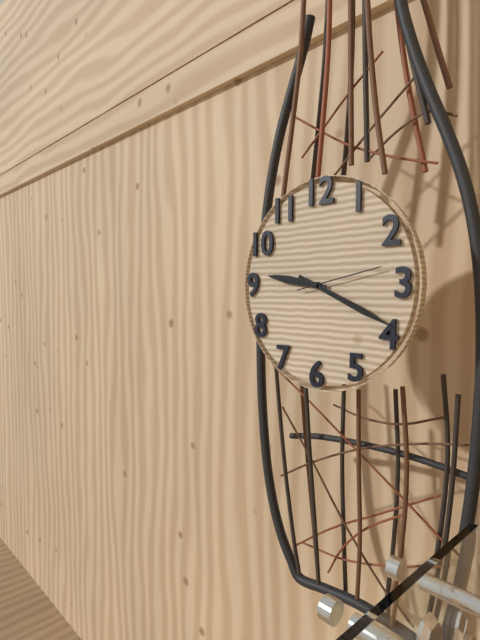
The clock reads 9,19,13
